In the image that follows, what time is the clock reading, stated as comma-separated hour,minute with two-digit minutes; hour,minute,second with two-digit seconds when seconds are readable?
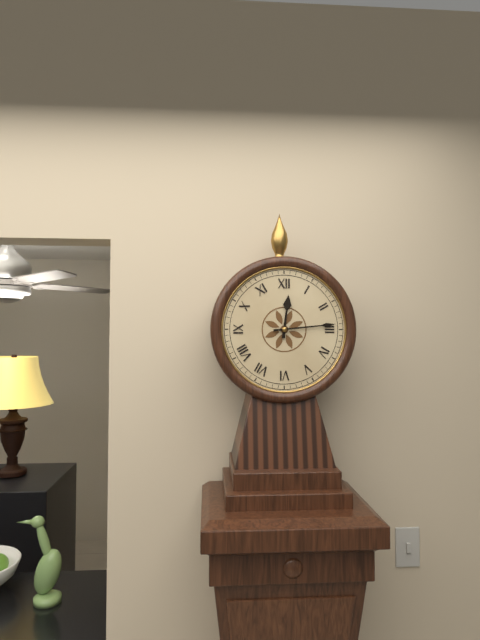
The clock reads 12,14
